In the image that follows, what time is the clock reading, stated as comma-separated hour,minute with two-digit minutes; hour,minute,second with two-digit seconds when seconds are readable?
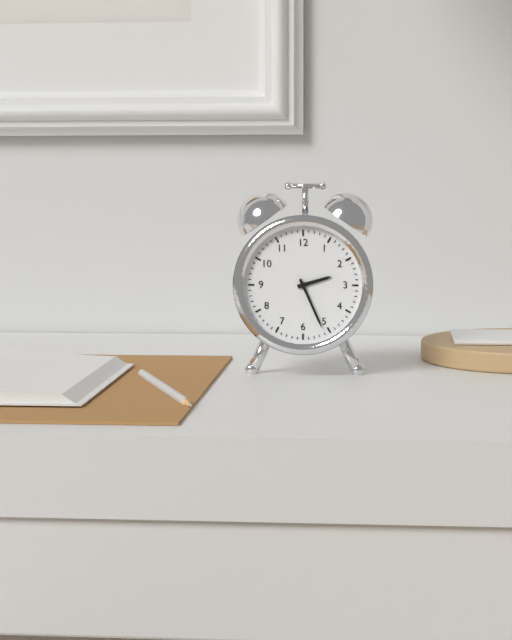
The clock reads 2,26
